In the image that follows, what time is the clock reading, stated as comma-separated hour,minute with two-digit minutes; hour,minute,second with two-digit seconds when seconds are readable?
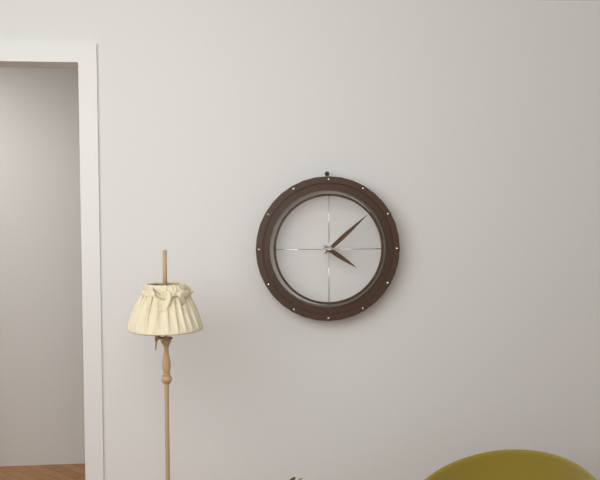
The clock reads 4,08
